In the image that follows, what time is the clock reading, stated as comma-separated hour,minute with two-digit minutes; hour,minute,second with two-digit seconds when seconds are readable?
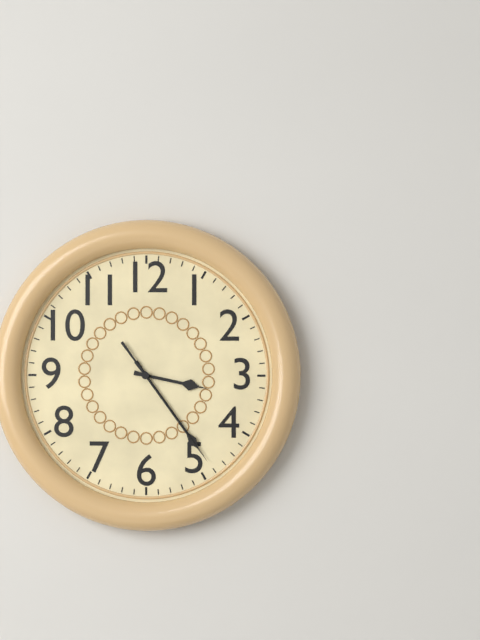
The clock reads 3,24,24
